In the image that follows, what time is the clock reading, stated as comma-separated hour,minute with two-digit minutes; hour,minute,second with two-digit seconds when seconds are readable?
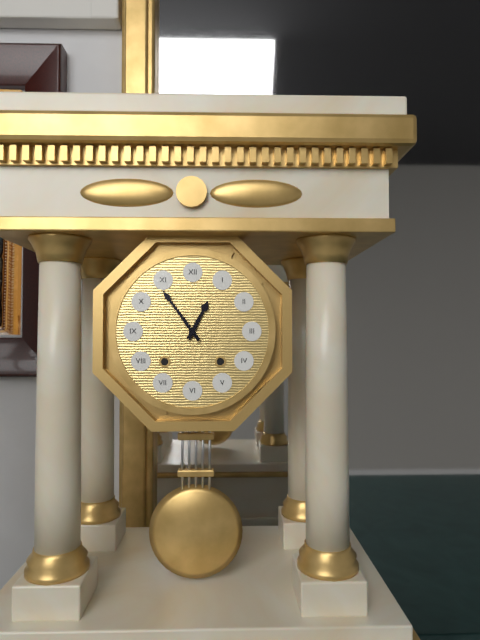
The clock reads 12,54
